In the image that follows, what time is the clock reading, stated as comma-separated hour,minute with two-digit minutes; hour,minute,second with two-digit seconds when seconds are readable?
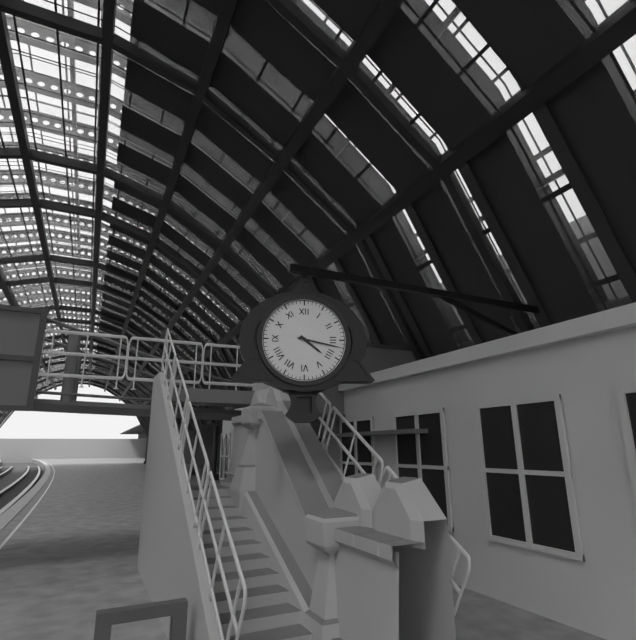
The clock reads 4,17
